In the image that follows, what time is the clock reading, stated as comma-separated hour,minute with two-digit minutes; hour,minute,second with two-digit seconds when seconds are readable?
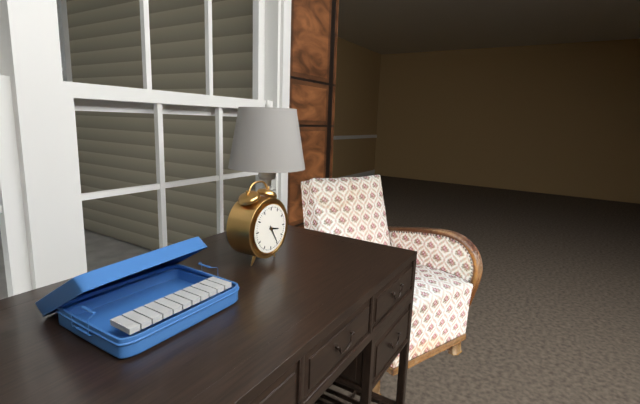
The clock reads 3,25
